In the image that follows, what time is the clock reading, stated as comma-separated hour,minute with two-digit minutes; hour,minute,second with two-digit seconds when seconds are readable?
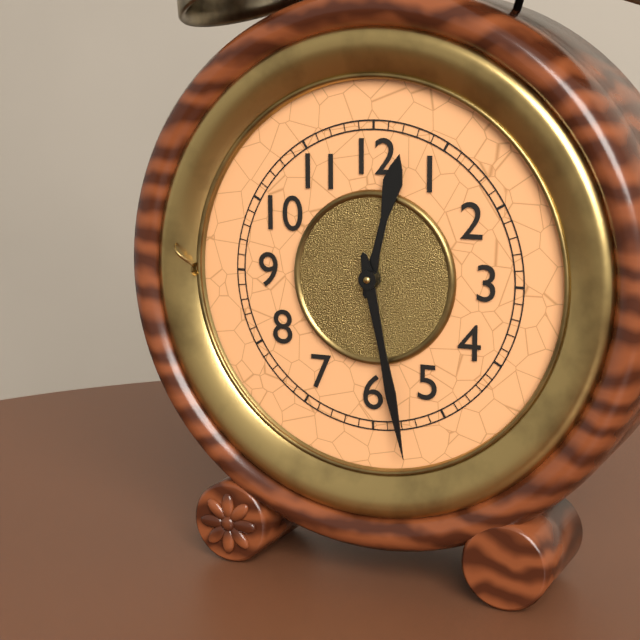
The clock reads 12,28
